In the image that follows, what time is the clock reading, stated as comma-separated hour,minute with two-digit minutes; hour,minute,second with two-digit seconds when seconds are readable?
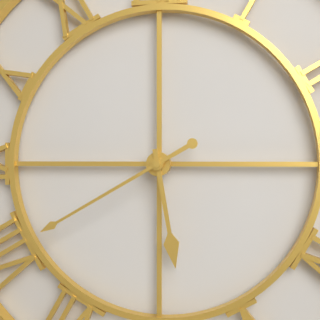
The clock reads 5,40
